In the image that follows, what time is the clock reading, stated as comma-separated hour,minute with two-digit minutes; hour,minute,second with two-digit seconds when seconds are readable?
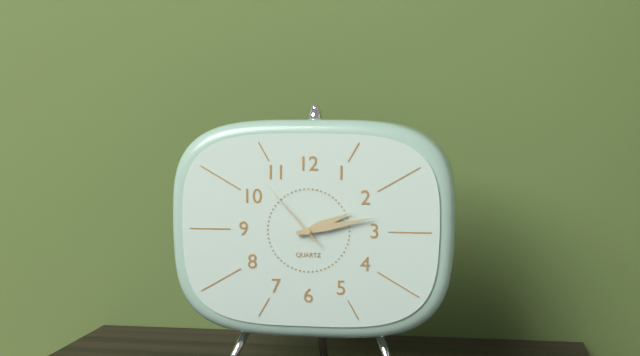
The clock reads 2,13,53
